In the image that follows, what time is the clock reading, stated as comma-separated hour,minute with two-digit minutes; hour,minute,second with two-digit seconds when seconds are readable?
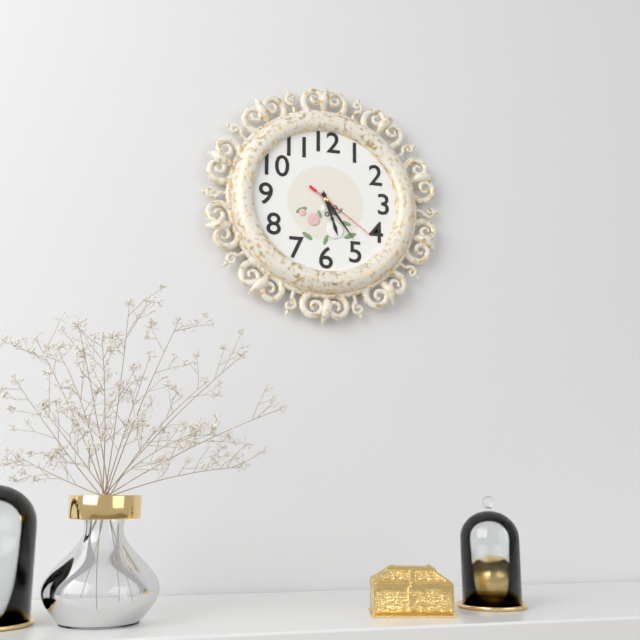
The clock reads 5,24,21
